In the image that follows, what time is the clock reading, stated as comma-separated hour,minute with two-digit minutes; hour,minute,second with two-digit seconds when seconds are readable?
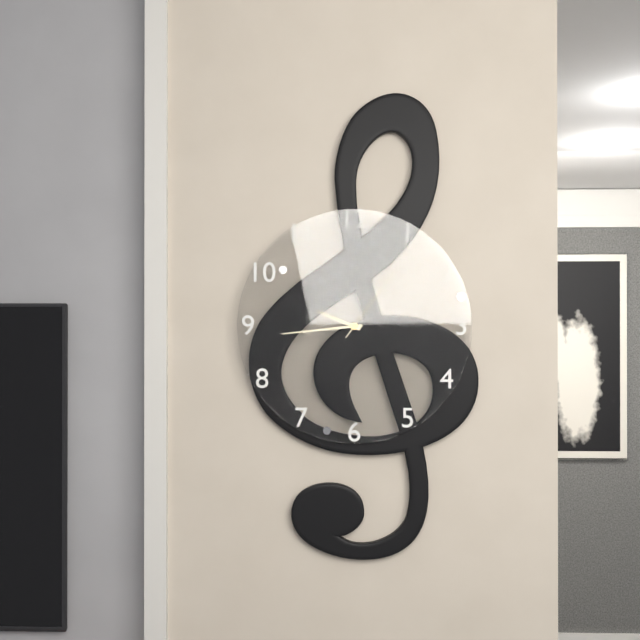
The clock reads 9,44,06
